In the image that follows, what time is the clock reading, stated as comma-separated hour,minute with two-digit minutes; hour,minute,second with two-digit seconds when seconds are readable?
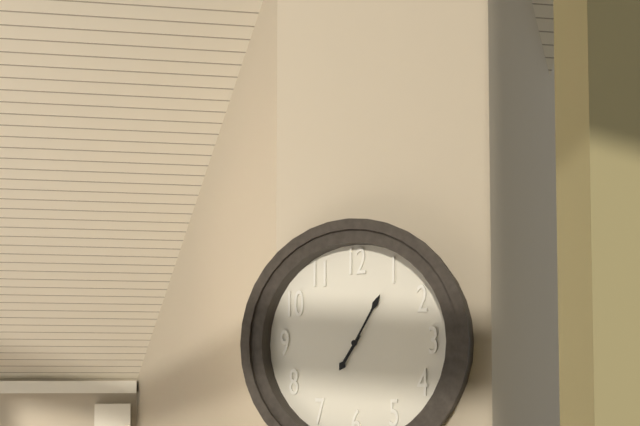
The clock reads 7,05
